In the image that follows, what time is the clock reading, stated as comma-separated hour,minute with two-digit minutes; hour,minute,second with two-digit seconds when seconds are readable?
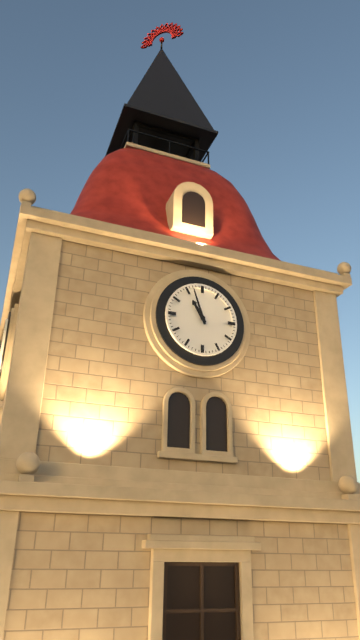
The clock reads 10,57
